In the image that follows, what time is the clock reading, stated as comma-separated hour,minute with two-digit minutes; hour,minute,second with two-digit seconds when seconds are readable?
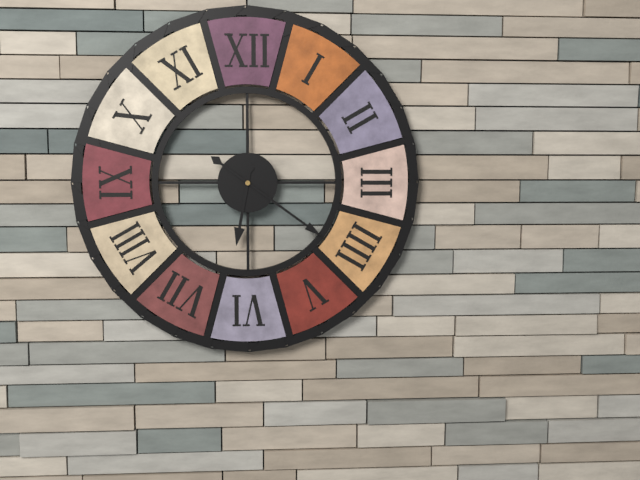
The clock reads 6,21
